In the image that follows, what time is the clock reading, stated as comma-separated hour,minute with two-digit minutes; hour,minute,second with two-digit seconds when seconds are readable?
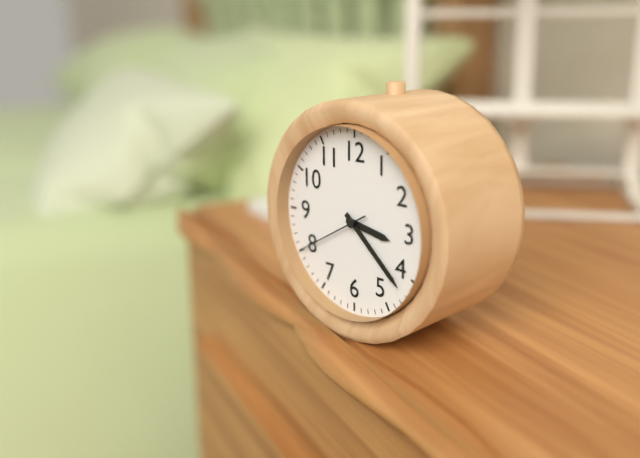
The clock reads 3,22,40
